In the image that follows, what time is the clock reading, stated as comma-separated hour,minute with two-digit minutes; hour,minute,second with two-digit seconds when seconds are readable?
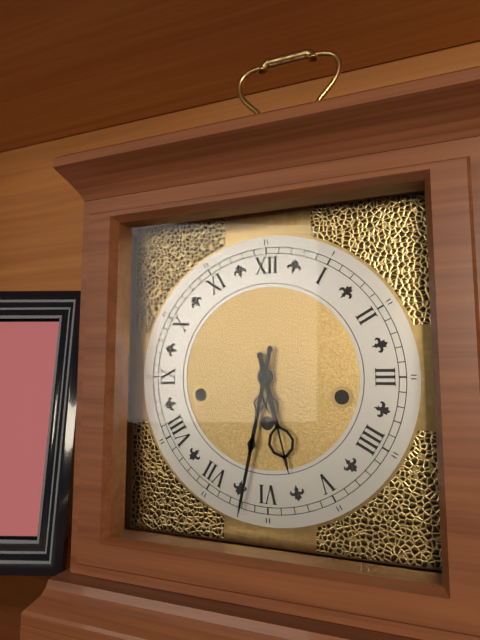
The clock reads 5,32
